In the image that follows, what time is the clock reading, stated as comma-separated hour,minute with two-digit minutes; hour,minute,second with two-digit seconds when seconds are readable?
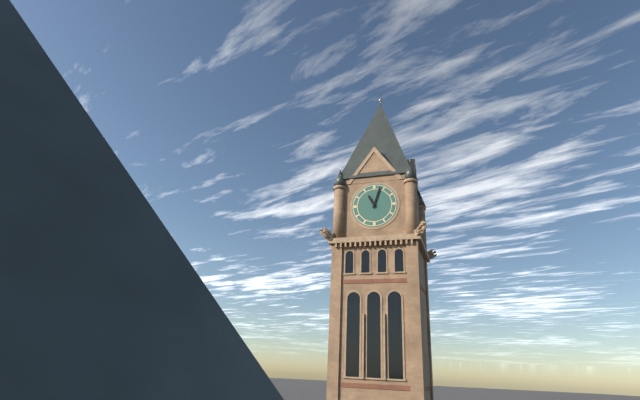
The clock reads 11,03
